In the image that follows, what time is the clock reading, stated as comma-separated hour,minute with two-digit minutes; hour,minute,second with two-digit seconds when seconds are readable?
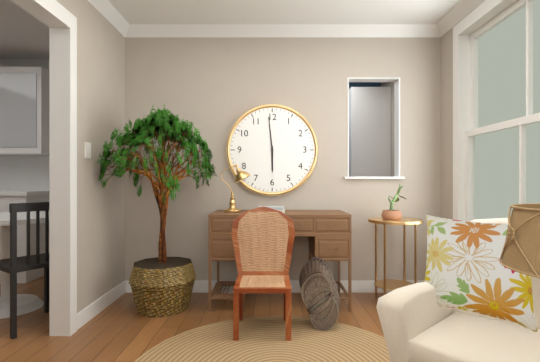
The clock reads 5,59
